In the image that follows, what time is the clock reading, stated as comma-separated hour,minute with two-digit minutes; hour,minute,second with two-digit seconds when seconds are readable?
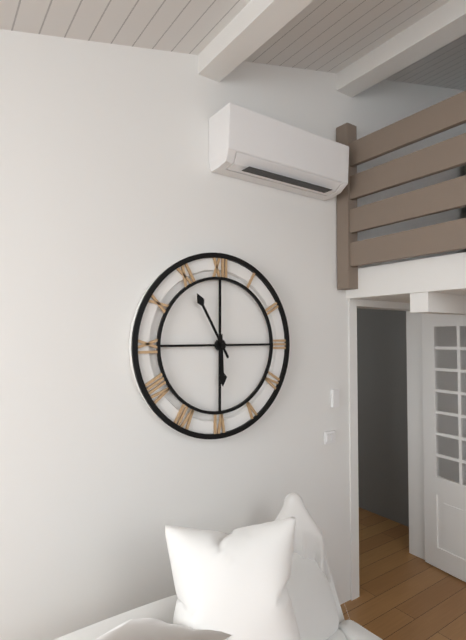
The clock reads 5,55
